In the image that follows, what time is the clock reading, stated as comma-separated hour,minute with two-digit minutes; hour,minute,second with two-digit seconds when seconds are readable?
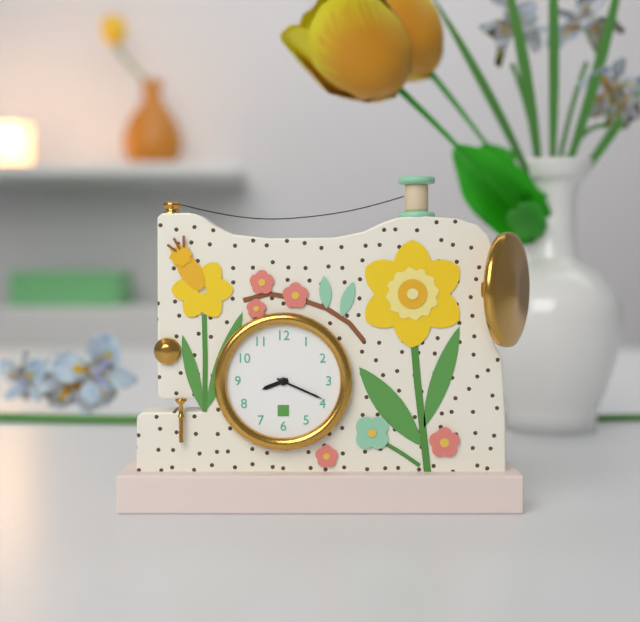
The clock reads 8,19
